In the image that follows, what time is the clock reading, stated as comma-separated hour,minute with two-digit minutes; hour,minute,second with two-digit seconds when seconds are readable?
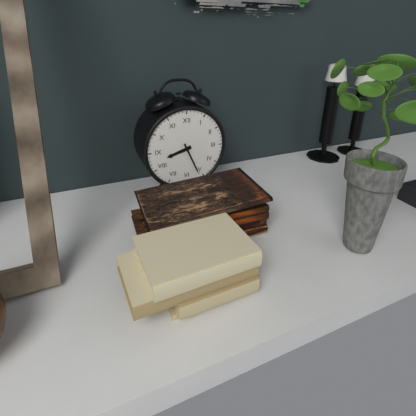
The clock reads 8,26
